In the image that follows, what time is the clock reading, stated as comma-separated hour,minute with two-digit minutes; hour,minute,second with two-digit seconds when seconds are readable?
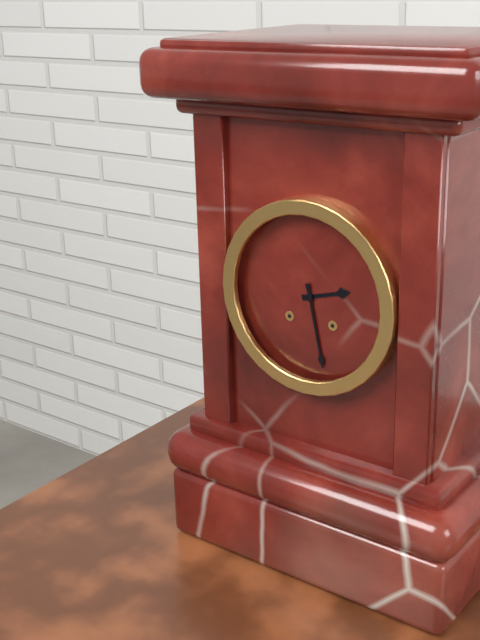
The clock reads 2,28
